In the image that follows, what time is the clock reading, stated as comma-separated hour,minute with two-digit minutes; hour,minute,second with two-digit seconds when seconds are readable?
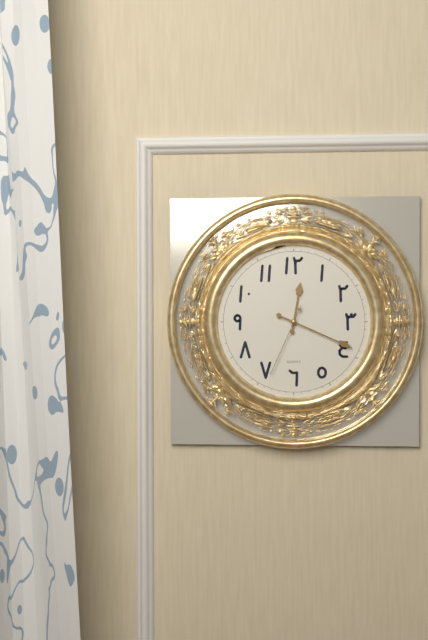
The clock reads 12,19,34
